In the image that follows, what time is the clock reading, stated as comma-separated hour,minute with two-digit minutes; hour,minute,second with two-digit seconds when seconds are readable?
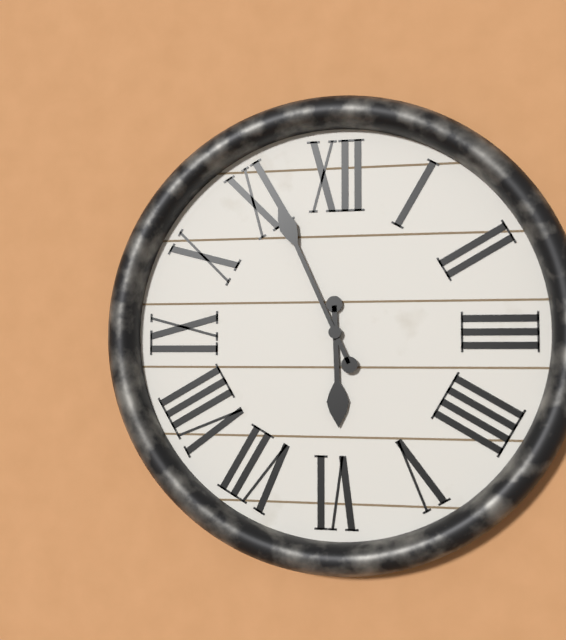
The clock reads 5,56
